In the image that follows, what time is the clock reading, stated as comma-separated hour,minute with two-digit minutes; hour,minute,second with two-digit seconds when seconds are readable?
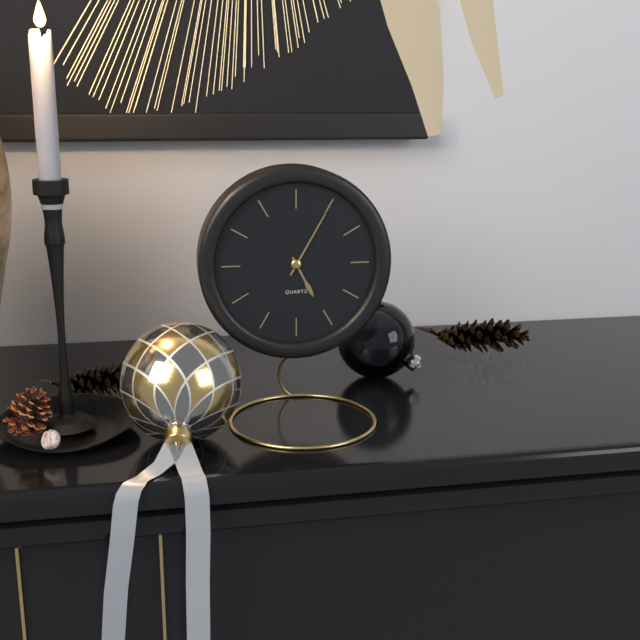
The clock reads 5,05
